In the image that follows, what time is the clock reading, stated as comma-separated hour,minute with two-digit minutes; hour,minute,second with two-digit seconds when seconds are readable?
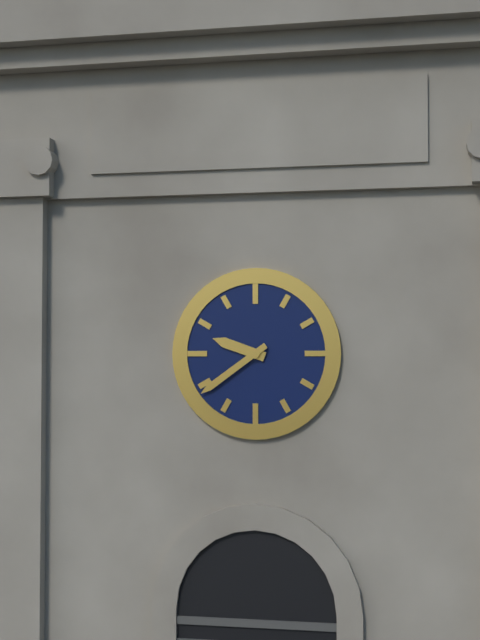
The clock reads 9,39
